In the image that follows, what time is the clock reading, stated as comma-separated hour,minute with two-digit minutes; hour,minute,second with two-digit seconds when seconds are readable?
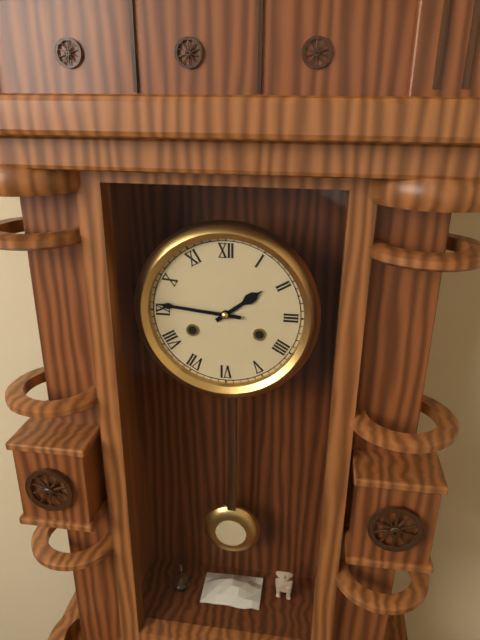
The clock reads 1,46
